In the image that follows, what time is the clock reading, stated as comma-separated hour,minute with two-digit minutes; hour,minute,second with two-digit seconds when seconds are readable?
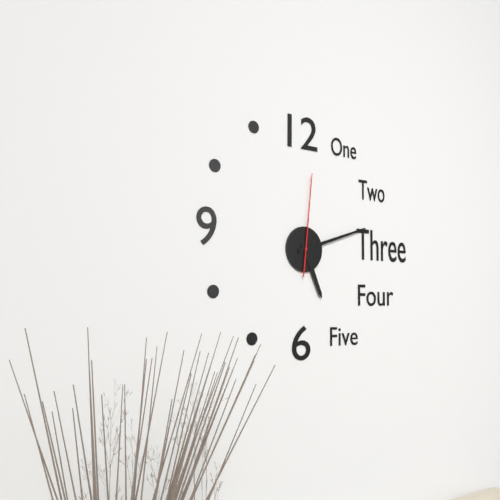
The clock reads 5,12,01
